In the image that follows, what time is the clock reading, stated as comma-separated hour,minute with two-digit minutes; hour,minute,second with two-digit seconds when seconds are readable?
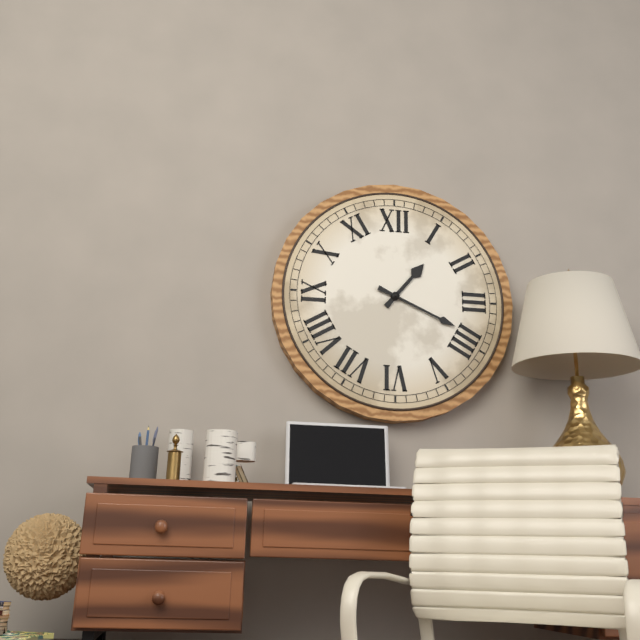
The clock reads 1,19
